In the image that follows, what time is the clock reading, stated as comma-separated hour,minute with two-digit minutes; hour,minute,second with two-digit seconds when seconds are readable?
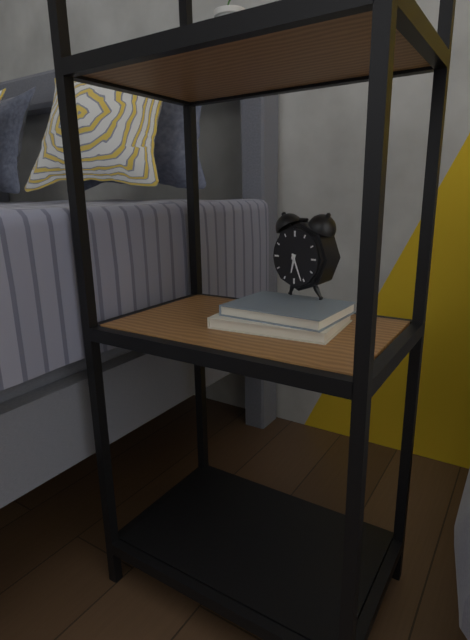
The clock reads 6,26
